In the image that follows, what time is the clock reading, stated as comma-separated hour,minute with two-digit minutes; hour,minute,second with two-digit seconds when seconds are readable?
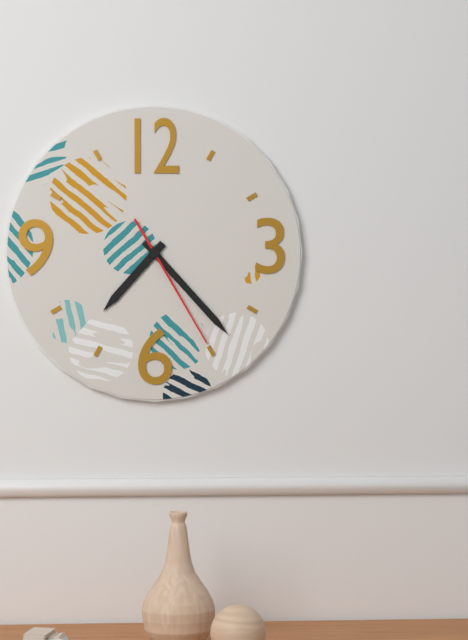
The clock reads 7,23,25
